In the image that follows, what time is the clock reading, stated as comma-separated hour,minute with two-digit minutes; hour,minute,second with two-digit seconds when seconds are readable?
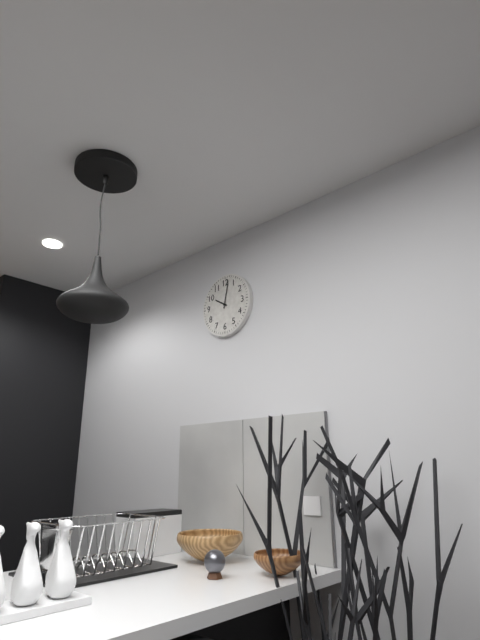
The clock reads 10,02
